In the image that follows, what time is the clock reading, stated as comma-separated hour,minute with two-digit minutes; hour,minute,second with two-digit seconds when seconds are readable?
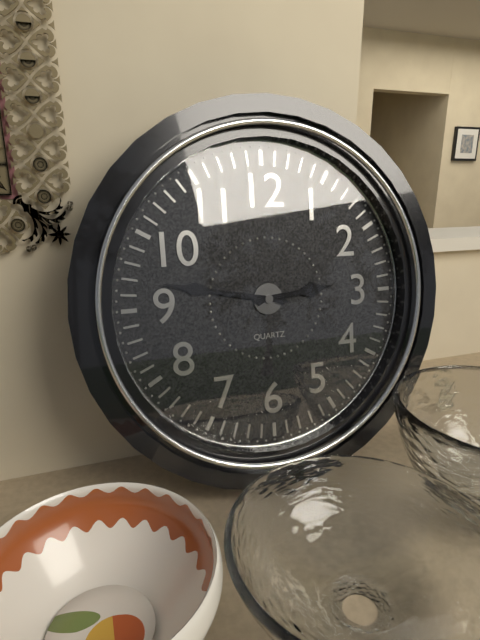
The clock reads 2,47
